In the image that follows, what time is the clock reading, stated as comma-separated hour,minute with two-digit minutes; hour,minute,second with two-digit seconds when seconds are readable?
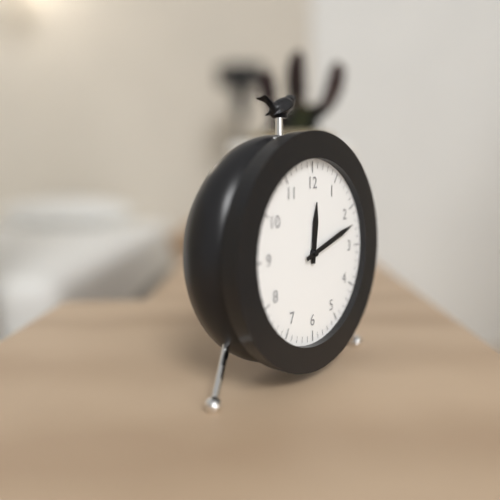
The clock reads 12,12
